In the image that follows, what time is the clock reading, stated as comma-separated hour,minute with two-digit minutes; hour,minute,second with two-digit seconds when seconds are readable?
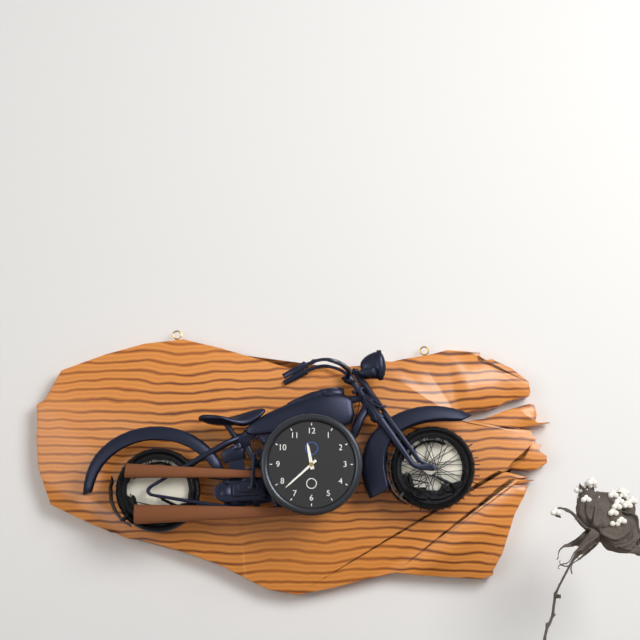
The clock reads 11,38
